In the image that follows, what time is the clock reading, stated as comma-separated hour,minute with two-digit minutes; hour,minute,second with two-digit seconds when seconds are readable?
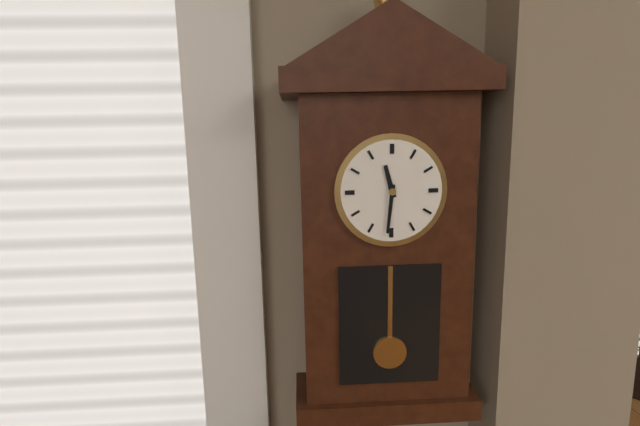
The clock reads 11,31
